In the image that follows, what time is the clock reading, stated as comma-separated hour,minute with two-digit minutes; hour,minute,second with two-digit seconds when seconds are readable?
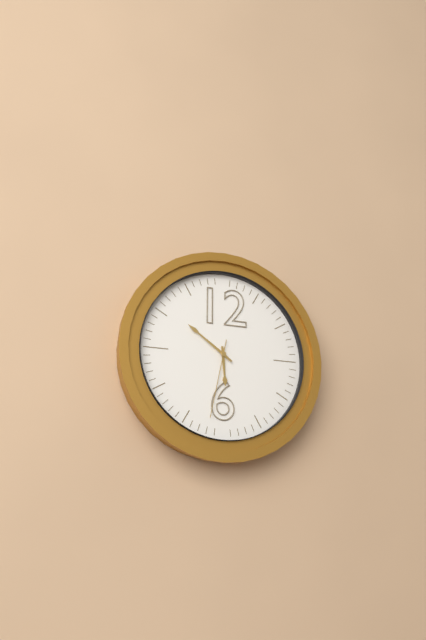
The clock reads 5,51,32
